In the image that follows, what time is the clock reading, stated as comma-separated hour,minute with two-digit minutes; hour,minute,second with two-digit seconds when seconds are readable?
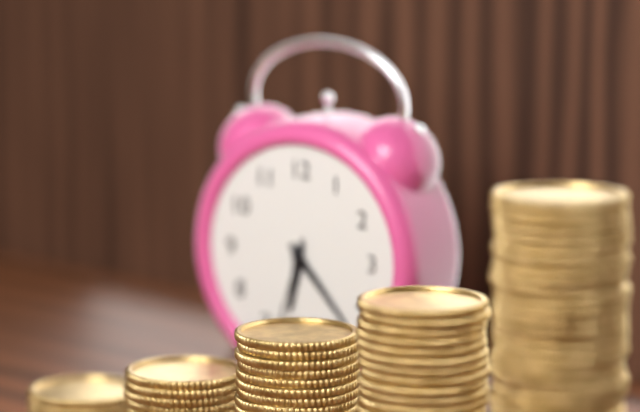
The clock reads 6,23,33
